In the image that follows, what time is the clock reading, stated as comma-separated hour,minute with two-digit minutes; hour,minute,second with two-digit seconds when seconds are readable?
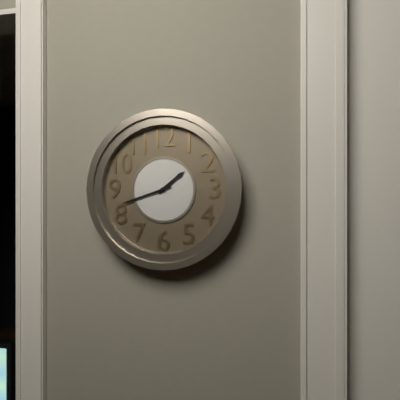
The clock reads 1,42
